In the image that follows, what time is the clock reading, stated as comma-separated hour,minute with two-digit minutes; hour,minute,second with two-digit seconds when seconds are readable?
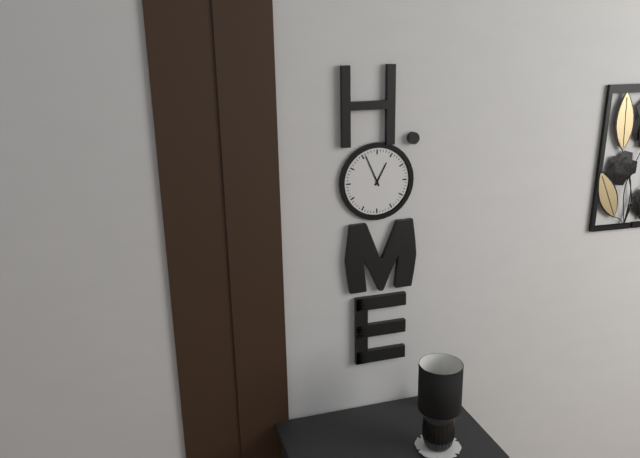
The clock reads 12,56
